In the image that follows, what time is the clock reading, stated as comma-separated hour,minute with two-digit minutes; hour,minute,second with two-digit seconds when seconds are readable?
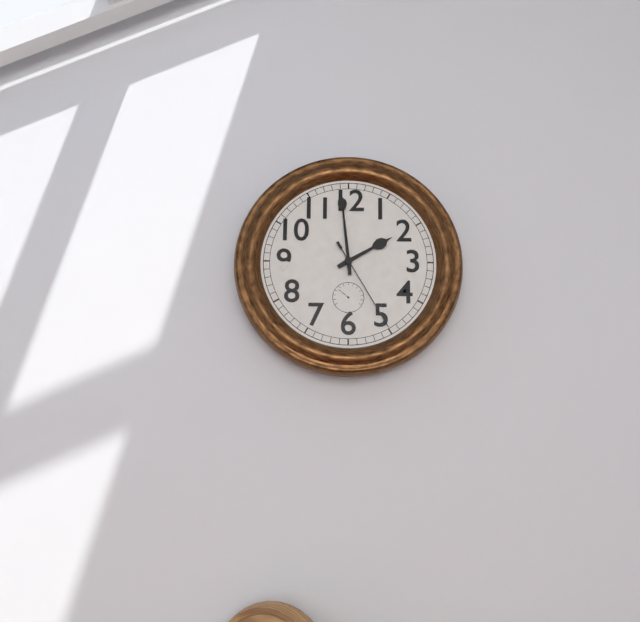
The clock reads 1,59,25
